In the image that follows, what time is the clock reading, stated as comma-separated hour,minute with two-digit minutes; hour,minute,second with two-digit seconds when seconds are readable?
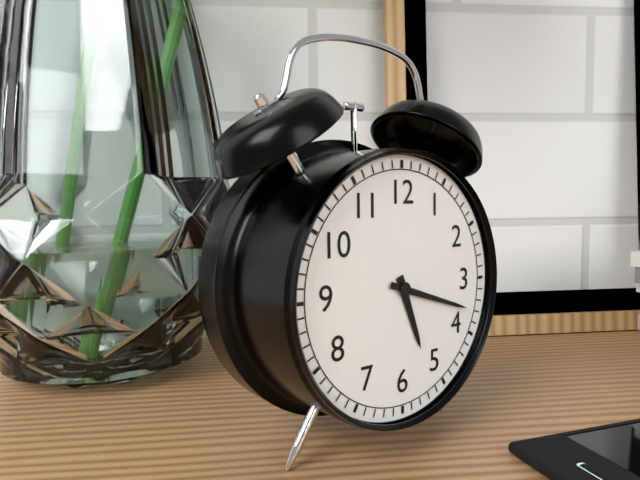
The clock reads 5,18
